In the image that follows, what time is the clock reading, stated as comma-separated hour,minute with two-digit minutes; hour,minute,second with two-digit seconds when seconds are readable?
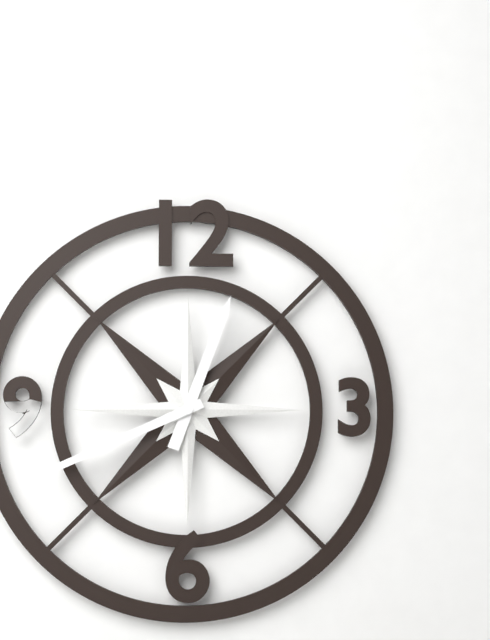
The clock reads 12,41
